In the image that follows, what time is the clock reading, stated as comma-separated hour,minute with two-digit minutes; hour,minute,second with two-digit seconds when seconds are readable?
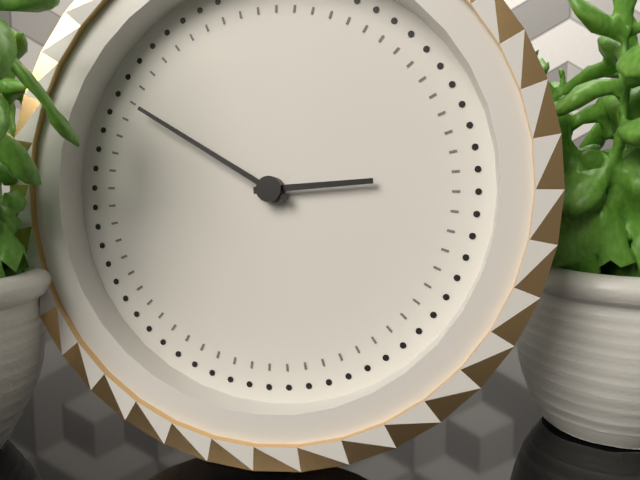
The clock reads 2,50
